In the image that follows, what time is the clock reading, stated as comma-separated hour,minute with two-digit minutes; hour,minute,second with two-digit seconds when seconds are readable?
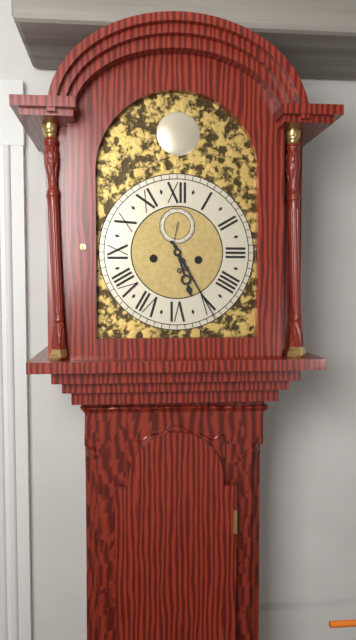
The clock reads 5,25
